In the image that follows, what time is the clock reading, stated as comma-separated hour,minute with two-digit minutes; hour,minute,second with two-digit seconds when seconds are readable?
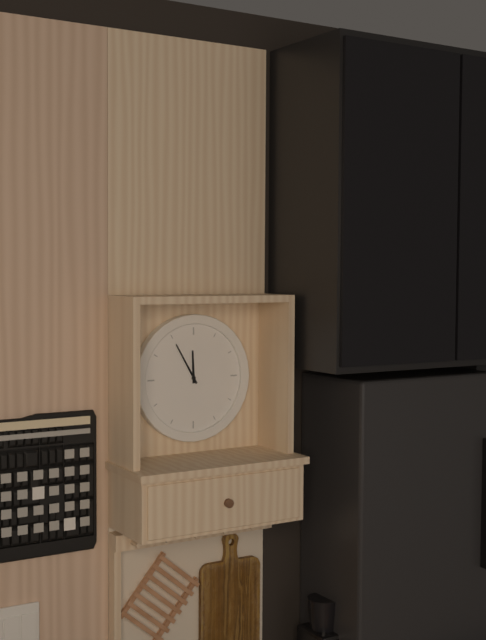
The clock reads 11,55
